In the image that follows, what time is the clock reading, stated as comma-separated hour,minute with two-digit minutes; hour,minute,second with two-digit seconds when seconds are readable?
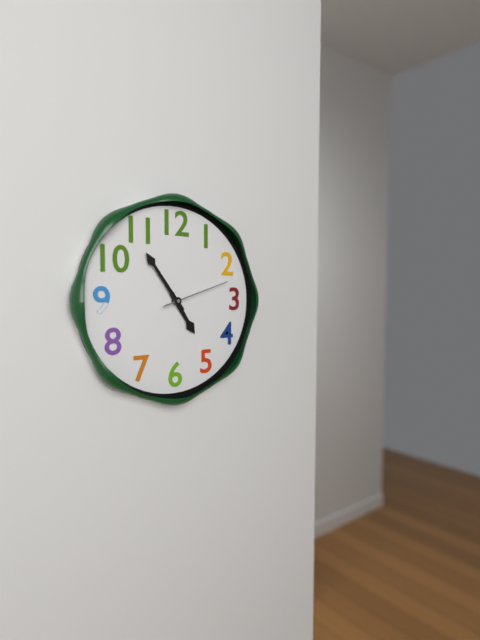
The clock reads 4,54,12
